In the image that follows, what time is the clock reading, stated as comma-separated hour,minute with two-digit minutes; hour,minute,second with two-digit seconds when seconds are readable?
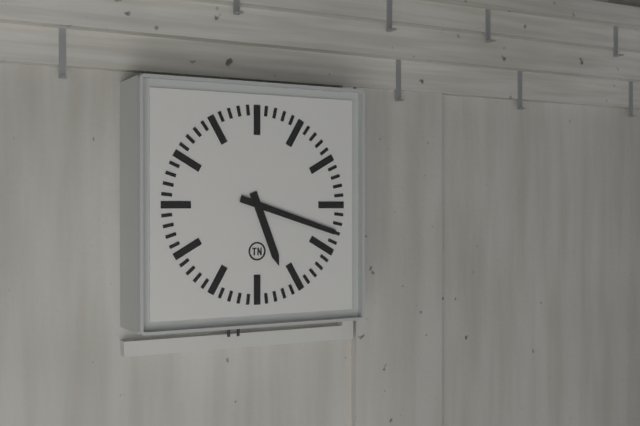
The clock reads 5,18
